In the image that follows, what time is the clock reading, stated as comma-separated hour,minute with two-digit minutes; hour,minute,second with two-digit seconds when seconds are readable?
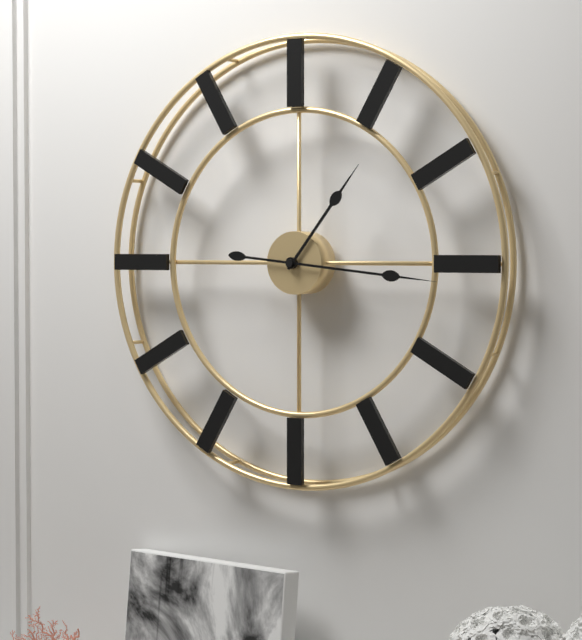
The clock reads 1,16
